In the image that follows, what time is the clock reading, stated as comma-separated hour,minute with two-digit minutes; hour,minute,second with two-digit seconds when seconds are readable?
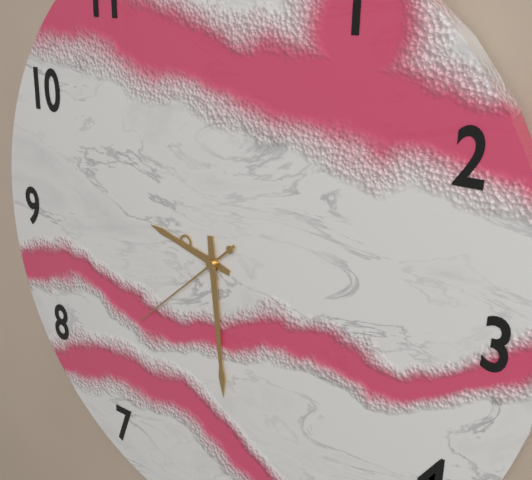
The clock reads 9,29,38
